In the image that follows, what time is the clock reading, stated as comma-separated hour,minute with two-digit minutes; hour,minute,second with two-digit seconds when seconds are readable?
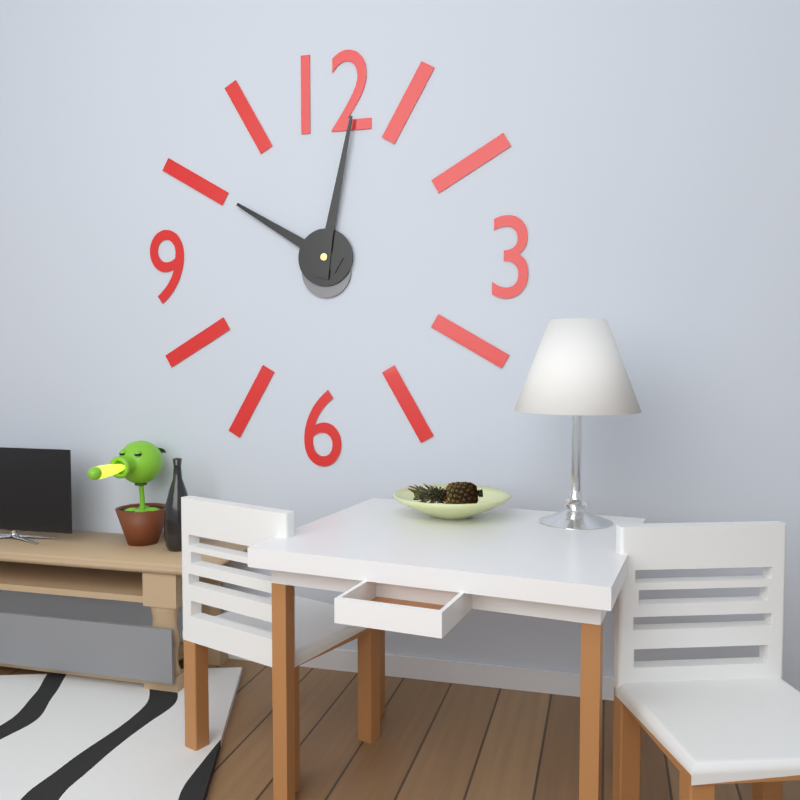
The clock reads 10,02
